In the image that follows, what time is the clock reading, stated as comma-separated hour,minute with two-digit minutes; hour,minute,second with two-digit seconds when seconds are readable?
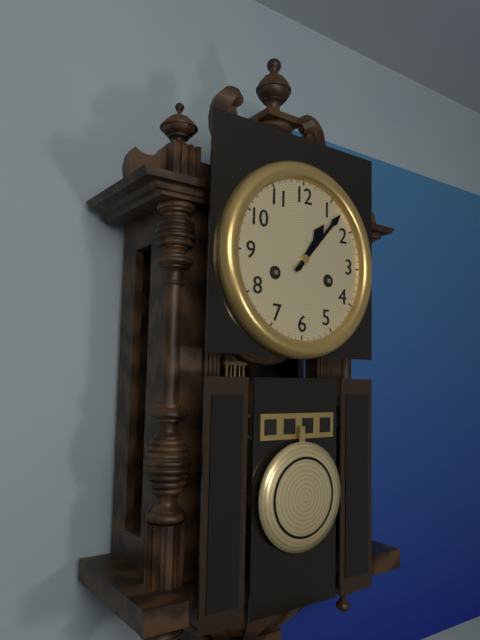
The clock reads 1,07
